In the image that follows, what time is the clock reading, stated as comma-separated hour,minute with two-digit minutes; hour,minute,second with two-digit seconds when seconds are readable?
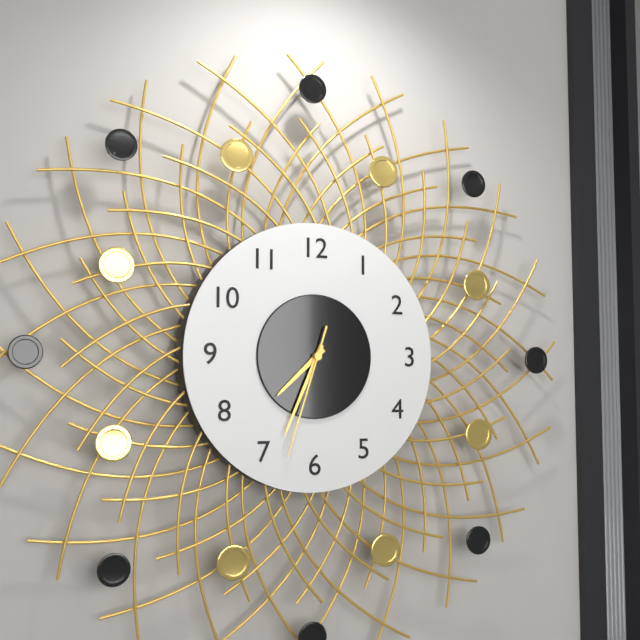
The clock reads 7,34,33
